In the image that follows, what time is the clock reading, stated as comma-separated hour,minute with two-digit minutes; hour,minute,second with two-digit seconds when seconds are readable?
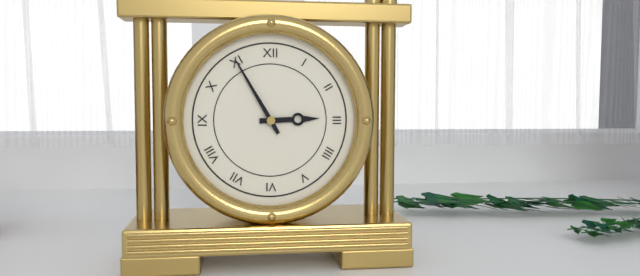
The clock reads 2,55
